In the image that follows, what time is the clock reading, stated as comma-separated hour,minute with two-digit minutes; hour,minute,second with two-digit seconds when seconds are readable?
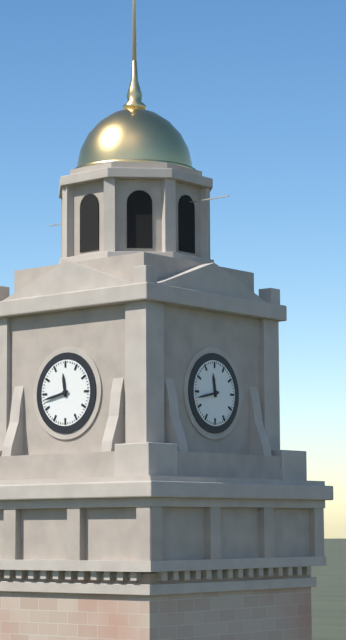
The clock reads 11,43
